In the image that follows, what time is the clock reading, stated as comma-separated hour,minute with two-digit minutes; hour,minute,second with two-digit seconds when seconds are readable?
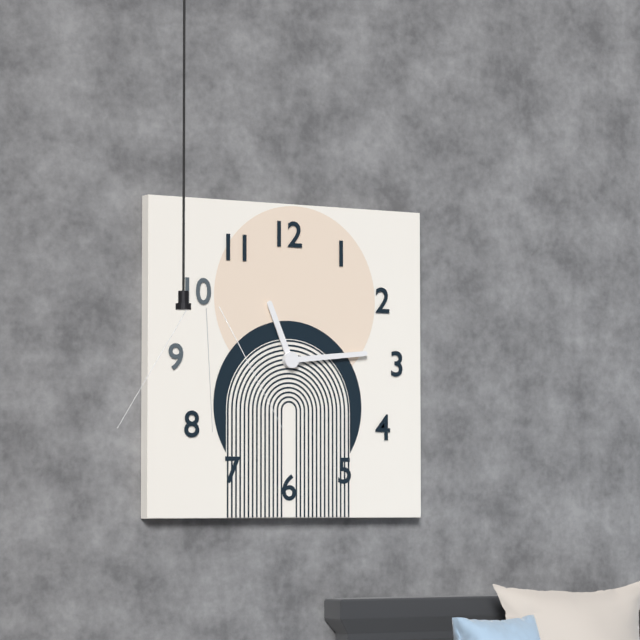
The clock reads 11,14
